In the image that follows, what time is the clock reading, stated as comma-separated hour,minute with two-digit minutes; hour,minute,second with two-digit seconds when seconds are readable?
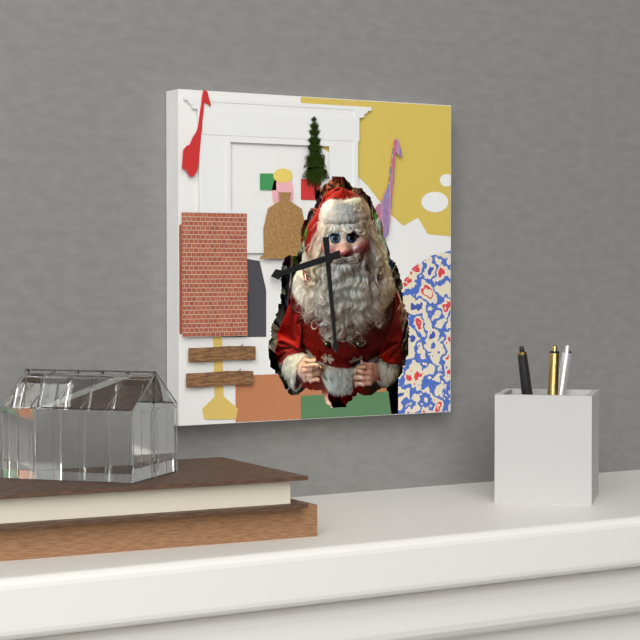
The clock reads 8,29
